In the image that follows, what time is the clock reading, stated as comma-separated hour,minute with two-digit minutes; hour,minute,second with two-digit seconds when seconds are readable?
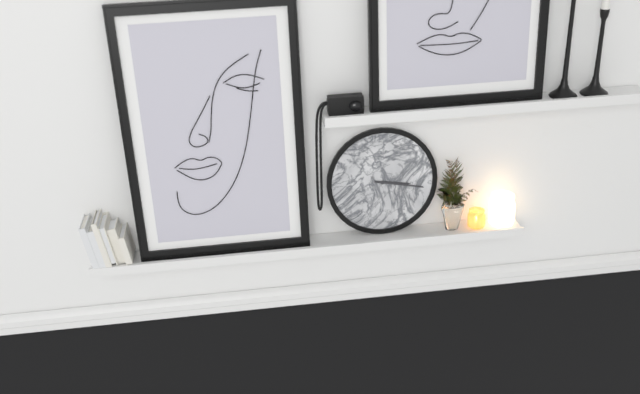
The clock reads 3,17
